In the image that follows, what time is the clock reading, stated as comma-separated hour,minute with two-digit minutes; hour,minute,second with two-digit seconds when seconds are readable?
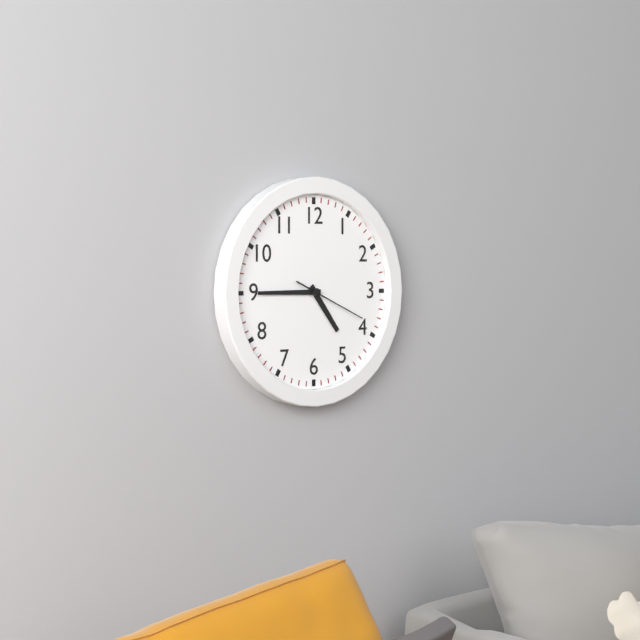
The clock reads 4,45,19
